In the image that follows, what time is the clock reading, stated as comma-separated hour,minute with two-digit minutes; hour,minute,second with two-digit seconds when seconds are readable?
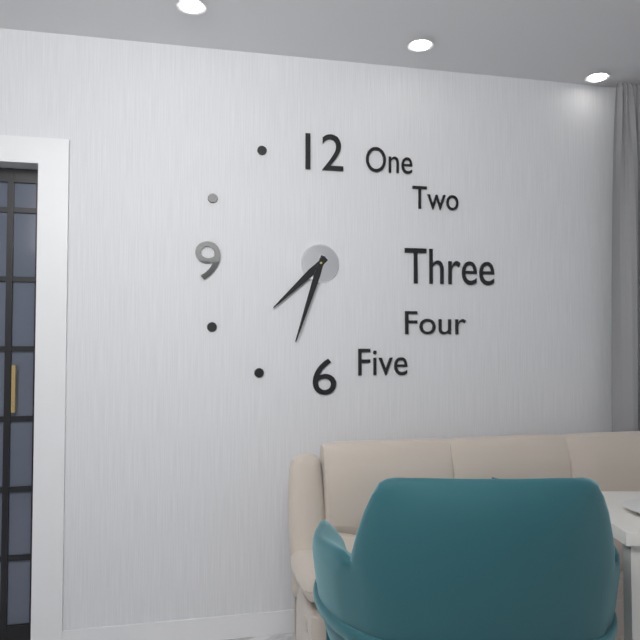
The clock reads 7,33
